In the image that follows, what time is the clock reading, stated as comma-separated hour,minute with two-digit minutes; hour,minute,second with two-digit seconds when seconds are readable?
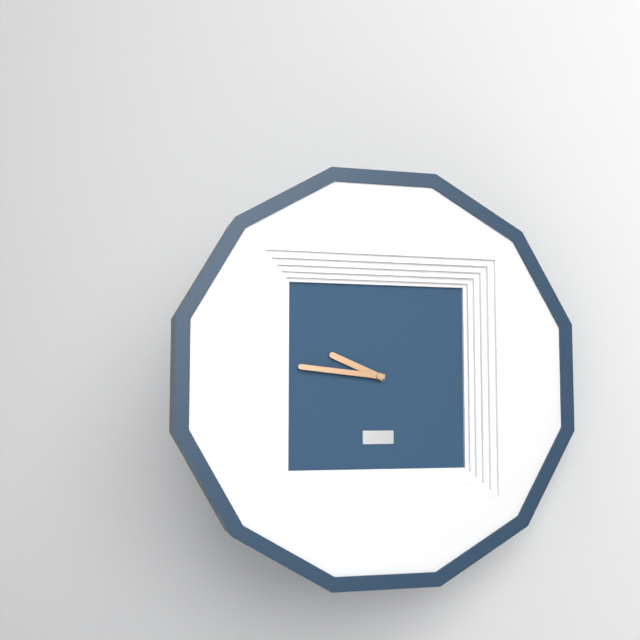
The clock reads 9,46
